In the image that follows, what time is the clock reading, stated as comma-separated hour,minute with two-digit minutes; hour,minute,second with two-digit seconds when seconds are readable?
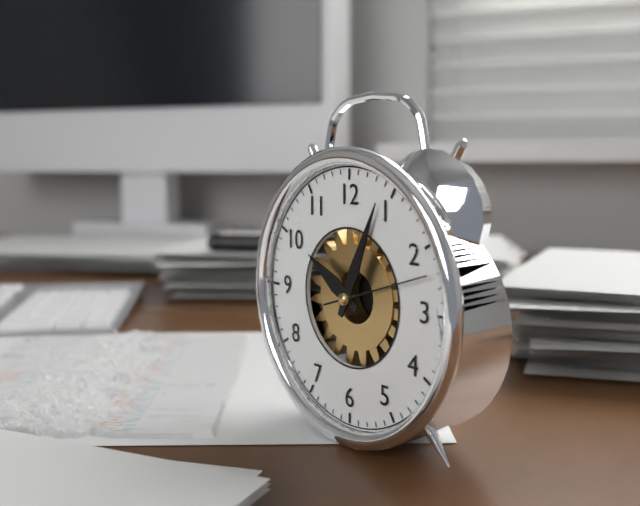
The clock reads 10,04,12
